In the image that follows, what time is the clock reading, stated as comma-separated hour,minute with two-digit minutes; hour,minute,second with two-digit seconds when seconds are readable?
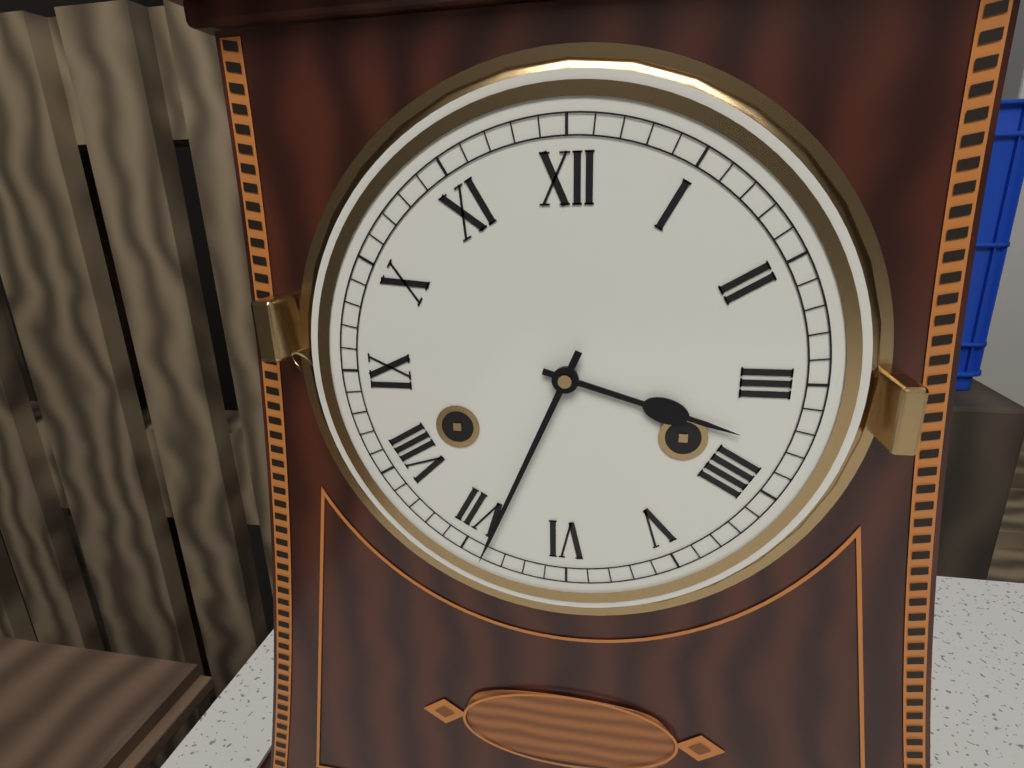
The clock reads 3,34
